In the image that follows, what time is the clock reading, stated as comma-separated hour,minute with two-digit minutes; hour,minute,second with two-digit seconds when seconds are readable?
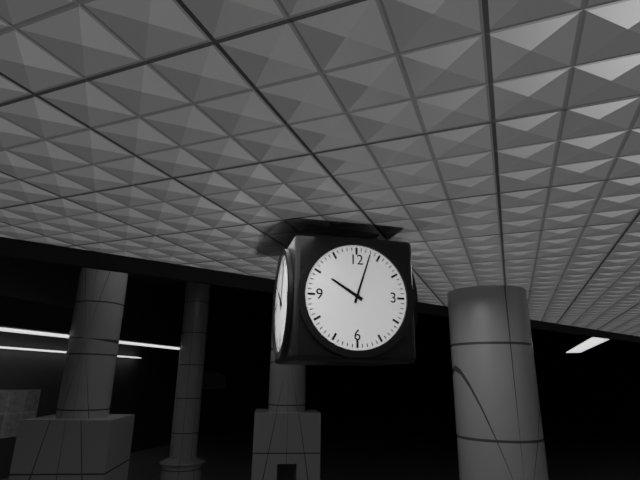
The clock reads 10,03
